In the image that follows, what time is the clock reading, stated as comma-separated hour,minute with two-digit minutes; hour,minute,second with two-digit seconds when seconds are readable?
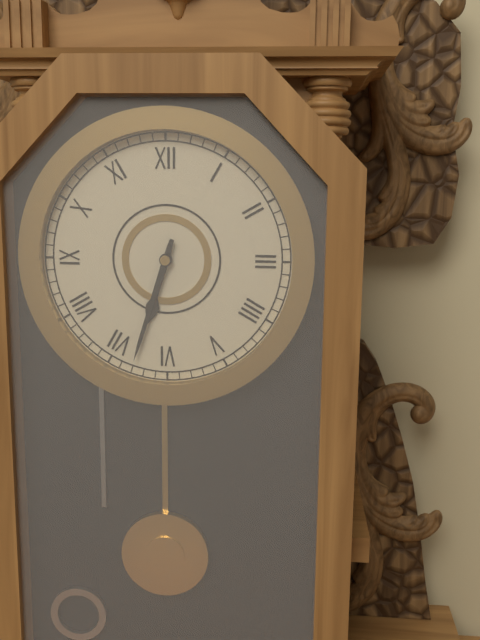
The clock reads 6,33
